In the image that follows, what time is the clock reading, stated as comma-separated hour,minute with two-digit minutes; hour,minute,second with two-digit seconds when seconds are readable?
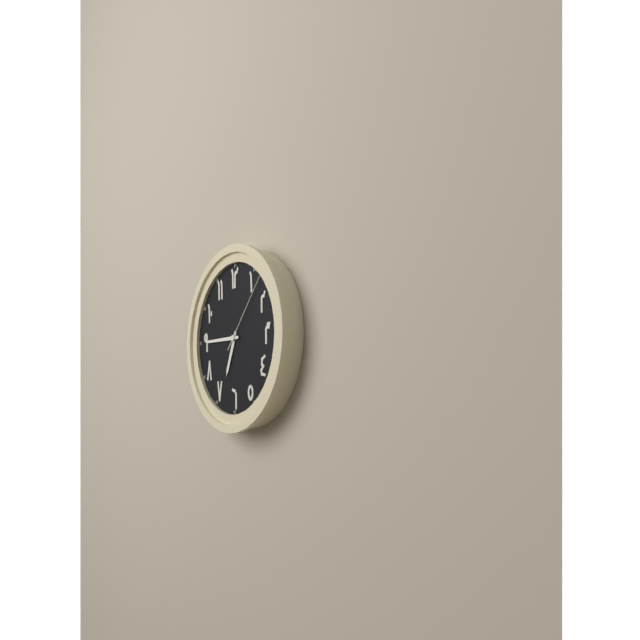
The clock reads 6,45,07
